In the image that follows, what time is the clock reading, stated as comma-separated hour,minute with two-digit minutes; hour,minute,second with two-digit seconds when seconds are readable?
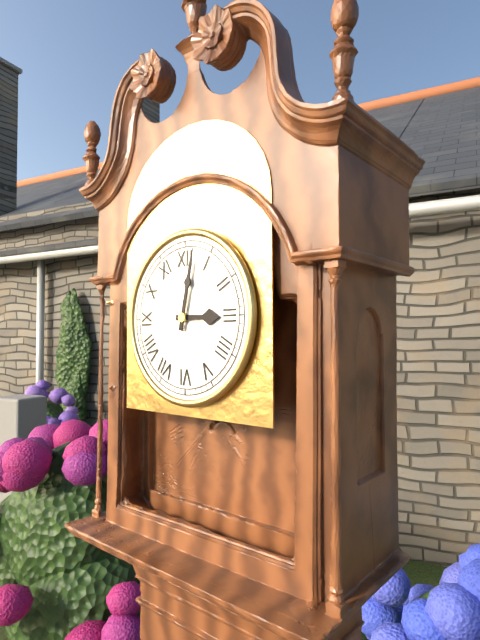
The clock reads 3,02
